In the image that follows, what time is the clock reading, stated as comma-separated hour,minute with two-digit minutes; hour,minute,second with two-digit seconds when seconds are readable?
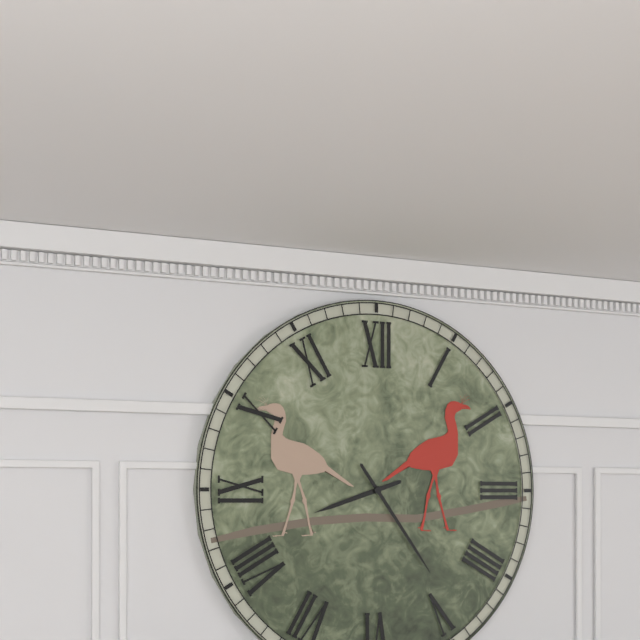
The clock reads 8,24
